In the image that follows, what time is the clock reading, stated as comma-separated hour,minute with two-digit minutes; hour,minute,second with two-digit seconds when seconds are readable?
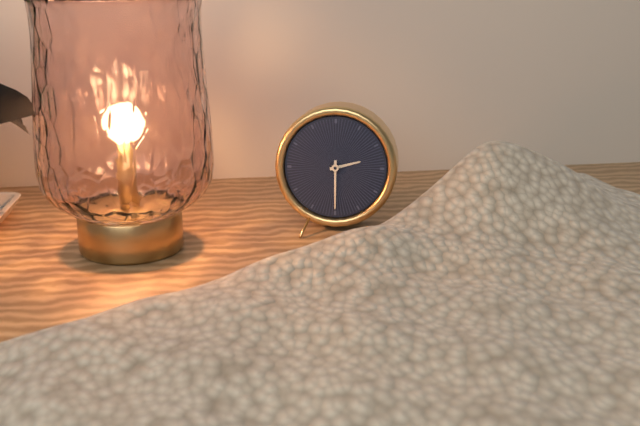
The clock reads 2,30
